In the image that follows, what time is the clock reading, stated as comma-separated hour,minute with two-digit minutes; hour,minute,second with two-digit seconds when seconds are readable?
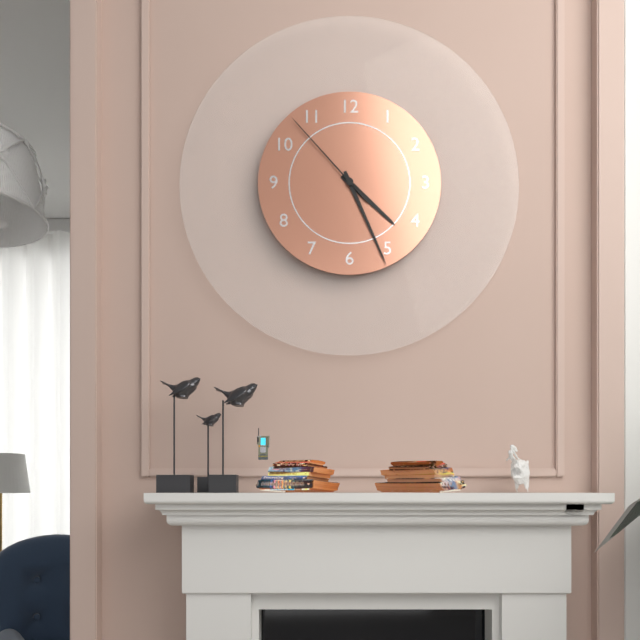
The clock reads 4,26,53
